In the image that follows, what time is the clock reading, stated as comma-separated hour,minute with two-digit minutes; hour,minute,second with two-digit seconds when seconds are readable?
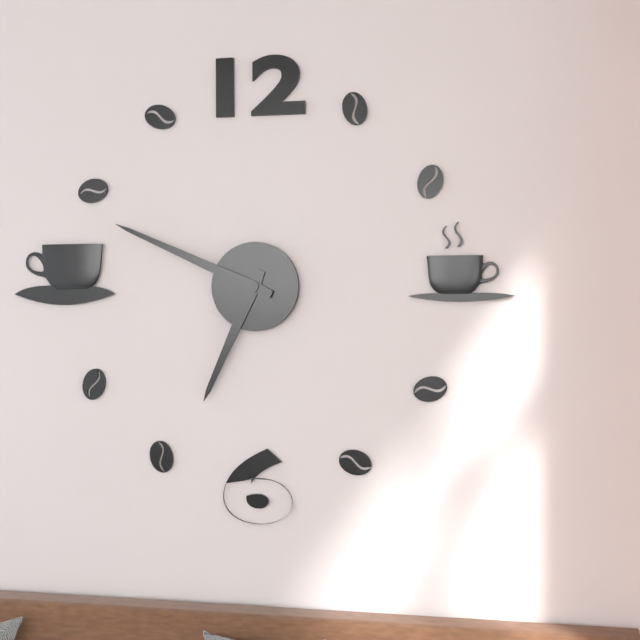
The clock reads 6,49
